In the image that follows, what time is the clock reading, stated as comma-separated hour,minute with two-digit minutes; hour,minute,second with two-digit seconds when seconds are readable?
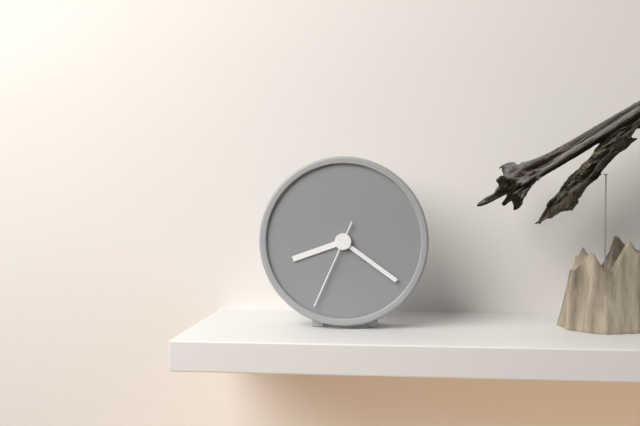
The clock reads 8,21,34
